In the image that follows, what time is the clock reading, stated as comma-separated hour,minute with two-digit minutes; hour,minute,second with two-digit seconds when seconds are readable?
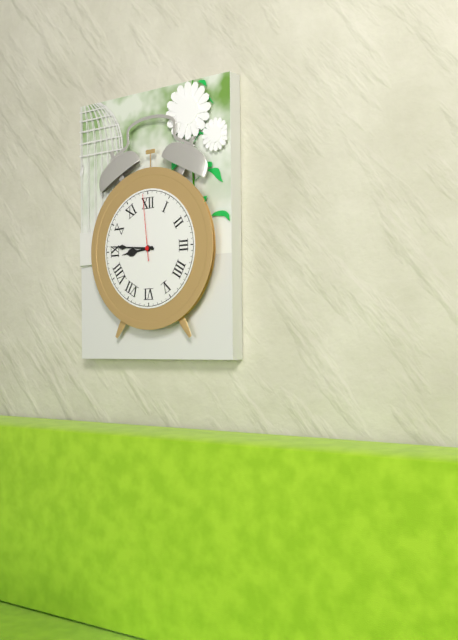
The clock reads 8,46,59
